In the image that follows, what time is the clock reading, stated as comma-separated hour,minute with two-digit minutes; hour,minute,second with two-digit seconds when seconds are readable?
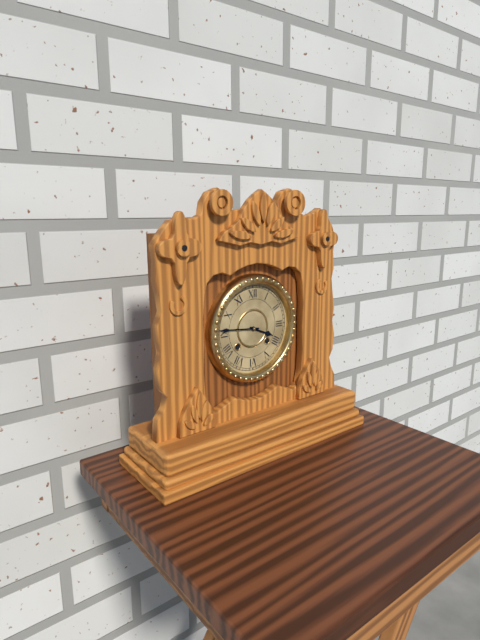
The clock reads 3,46
